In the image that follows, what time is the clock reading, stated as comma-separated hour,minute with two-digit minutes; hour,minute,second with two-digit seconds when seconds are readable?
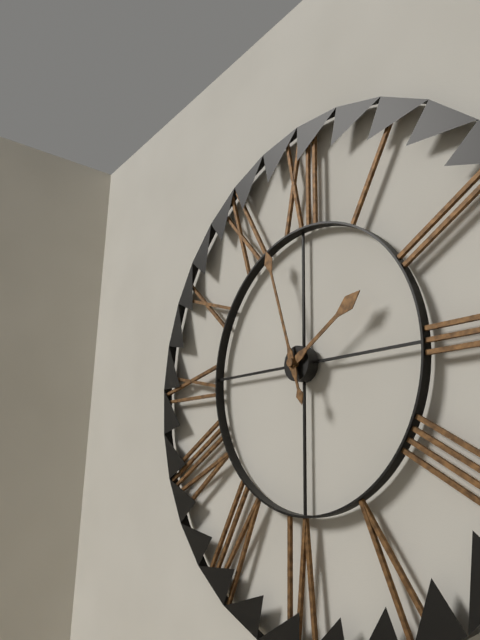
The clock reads 1,57
